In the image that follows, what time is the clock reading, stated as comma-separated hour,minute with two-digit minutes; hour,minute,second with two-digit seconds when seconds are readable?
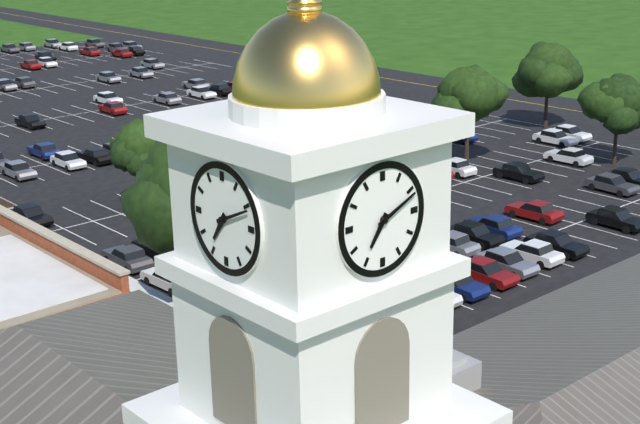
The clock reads 7,11
